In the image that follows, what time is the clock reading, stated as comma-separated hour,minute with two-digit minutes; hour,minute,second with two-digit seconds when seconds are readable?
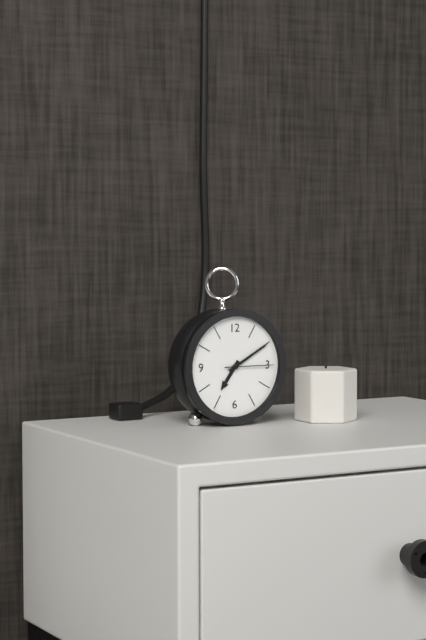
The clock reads 7,10
